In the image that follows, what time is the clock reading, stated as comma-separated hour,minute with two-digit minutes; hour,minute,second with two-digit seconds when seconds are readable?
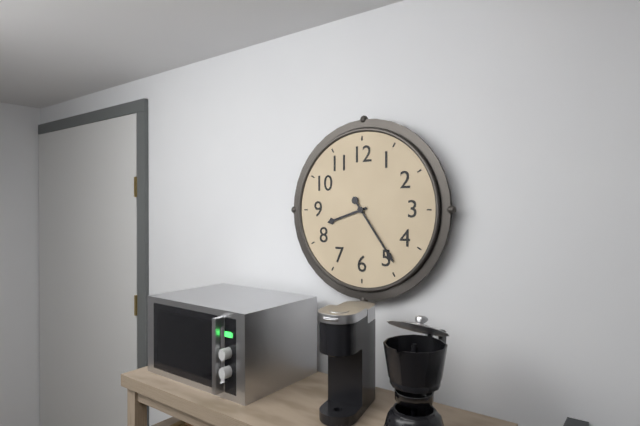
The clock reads 8,24
